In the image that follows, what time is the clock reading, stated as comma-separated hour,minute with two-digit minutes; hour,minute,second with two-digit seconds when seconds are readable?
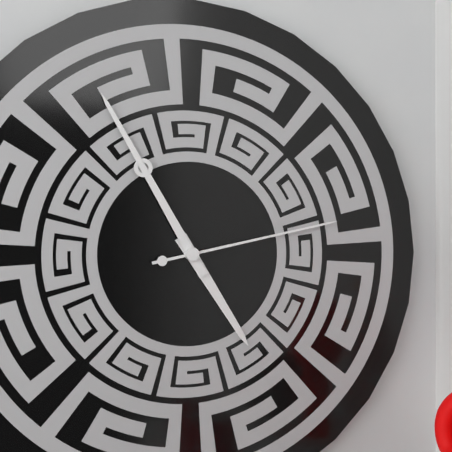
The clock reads 4,55,13
